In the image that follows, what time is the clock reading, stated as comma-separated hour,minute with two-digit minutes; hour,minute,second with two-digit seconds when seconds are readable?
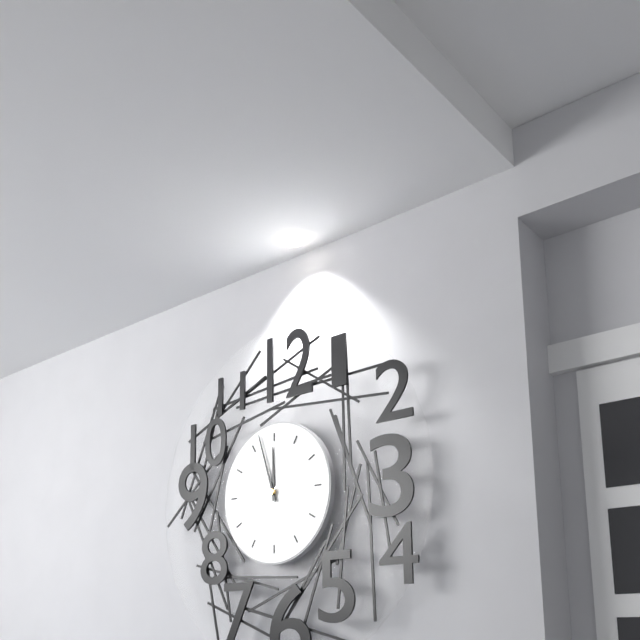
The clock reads 11,57,39
